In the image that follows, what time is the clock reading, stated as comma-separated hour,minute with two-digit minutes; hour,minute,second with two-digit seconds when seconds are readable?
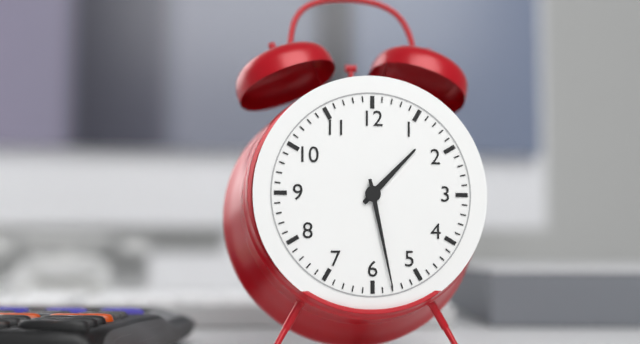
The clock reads 1,28
